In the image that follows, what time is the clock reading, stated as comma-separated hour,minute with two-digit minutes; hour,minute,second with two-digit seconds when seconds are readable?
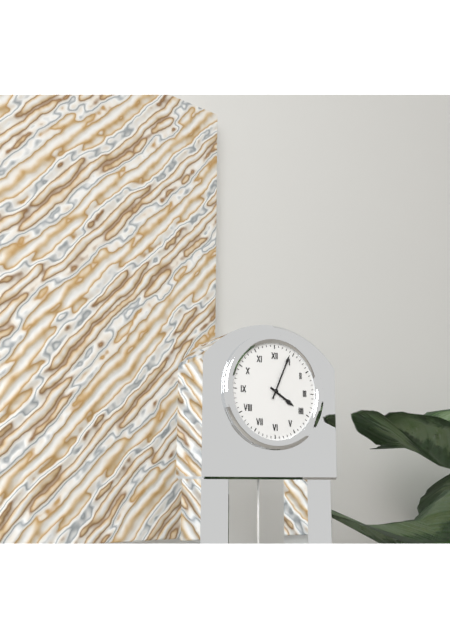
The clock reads 4,04
